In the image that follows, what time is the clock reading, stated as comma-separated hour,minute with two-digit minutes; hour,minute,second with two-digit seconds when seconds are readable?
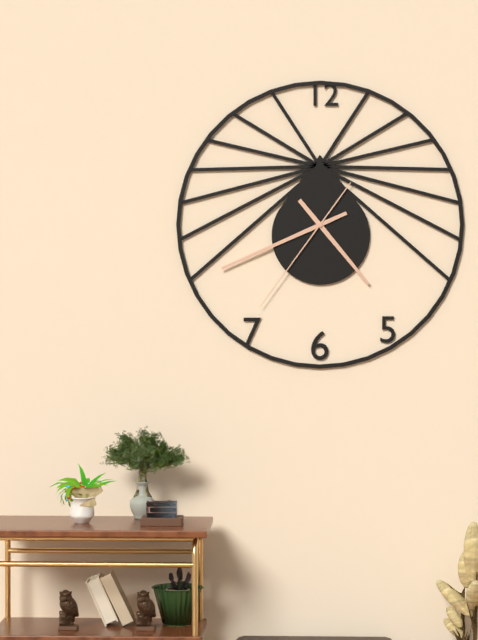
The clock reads 4,41,36
